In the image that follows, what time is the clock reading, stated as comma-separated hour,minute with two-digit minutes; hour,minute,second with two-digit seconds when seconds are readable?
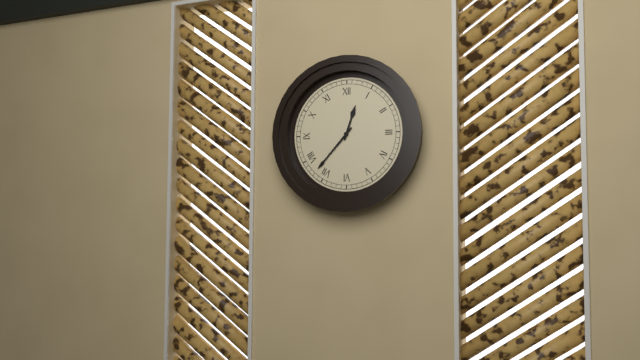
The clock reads 12,37
